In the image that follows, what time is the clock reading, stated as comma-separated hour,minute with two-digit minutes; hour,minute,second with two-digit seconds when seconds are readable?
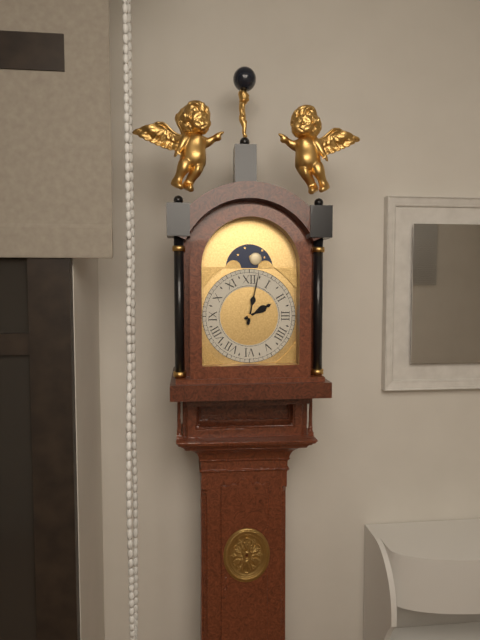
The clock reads 2,02
